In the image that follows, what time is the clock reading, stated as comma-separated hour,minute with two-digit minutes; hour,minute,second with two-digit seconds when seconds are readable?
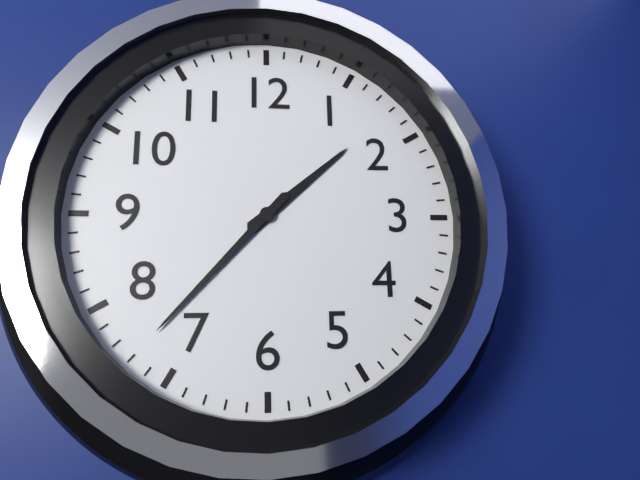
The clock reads 1,37
